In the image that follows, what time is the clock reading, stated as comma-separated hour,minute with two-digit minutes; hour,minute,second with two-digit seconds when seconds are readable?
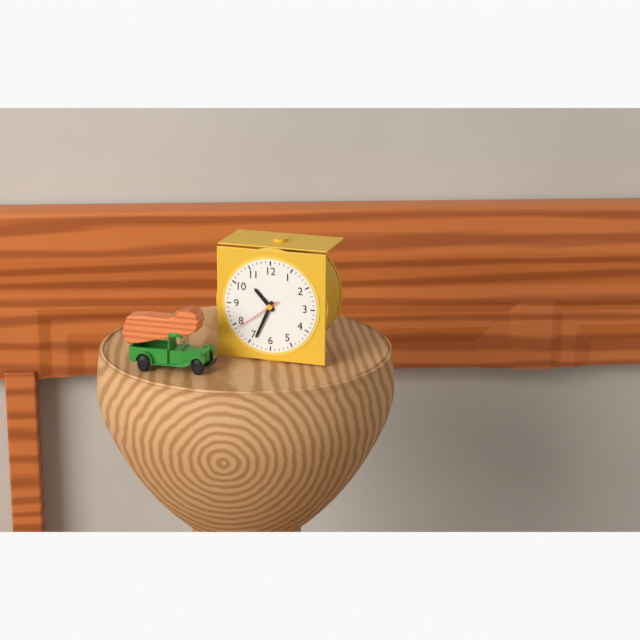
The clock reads 10,34
